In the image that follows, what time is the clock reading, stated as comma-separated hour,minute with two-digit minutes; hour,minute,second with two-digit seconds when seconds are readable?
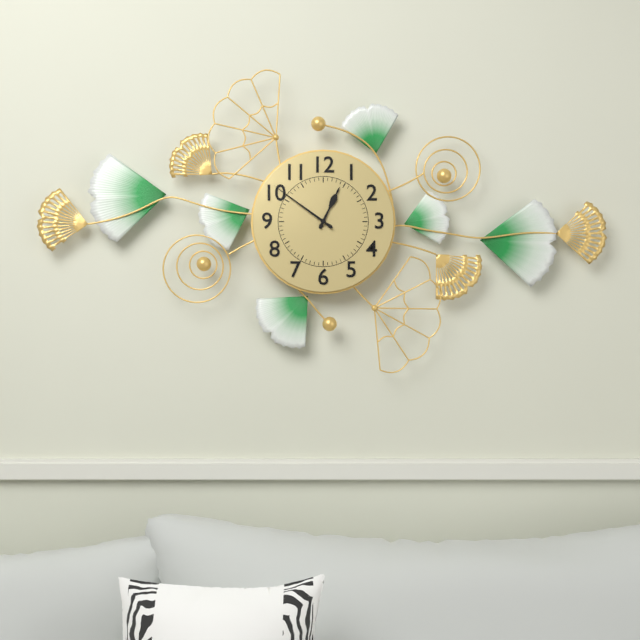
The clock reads 12,51
